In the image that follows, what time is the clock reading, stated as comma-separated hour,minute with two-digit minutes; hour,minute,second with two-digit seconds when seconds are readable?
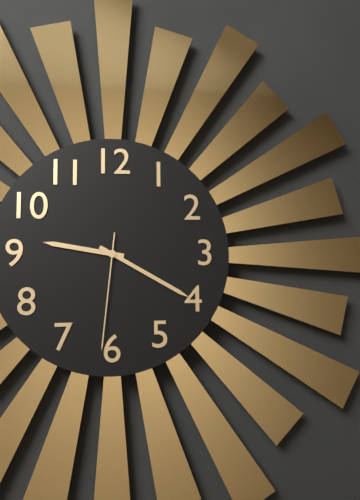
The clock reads 9,20,31
